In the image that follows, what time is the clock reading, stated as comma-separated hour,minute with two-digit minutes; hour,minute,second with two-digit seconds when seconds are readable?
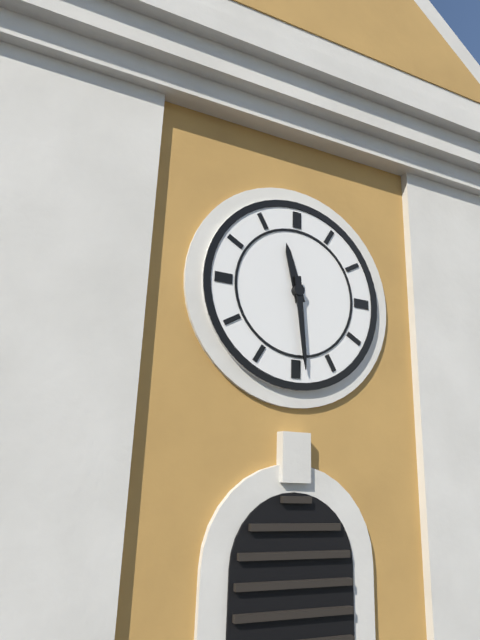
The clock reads 11,29
